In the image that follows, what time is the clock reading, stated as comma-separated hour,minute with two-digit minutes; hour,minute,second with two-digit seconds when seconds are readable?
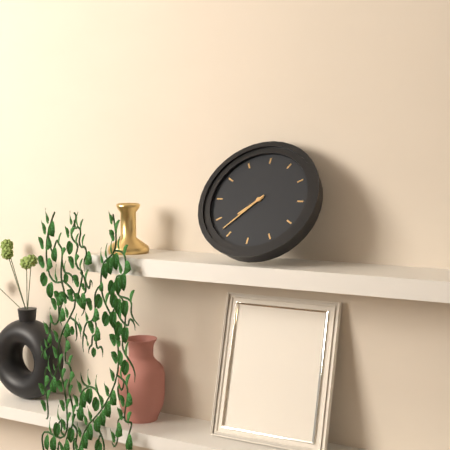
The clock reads 7,37
